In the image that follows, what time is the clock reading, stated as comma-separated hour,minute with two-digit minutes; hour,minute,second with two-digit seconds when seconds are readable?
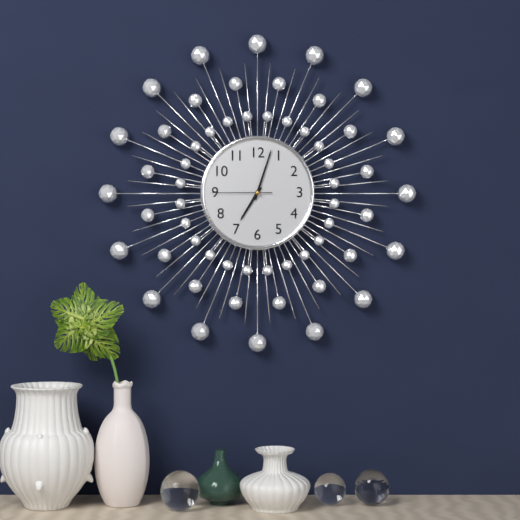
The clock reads 7,03,45
